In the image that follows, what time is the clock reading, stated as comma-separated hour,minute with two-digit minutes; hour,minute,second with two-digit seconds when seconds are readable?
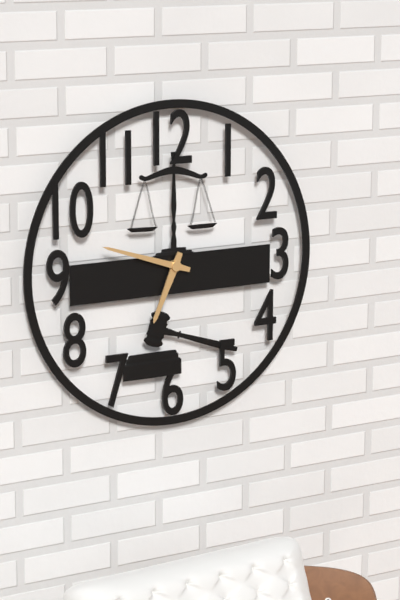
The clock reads 6,48
